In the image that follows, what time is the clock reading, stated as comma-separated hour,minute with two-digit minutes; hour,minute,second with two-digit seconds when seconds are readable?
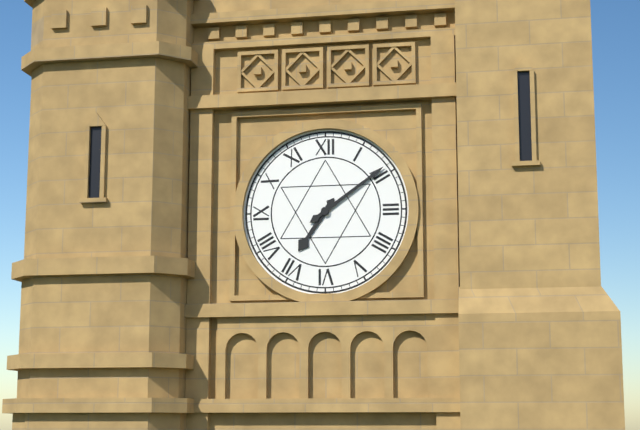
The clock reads 7,09
